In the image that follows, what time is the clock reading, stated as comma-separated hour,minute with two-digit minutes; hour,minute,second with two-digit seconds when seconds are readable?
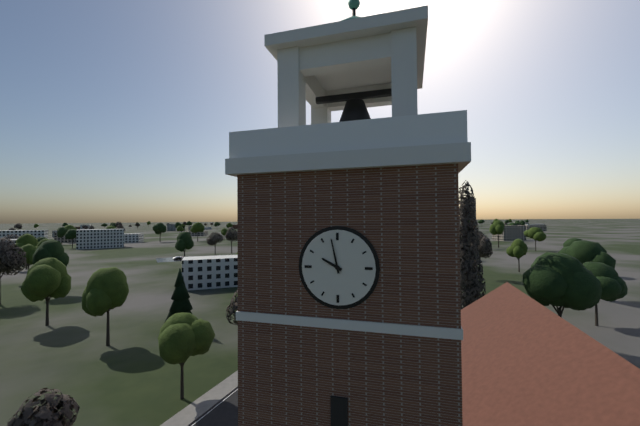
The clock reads 9,58
